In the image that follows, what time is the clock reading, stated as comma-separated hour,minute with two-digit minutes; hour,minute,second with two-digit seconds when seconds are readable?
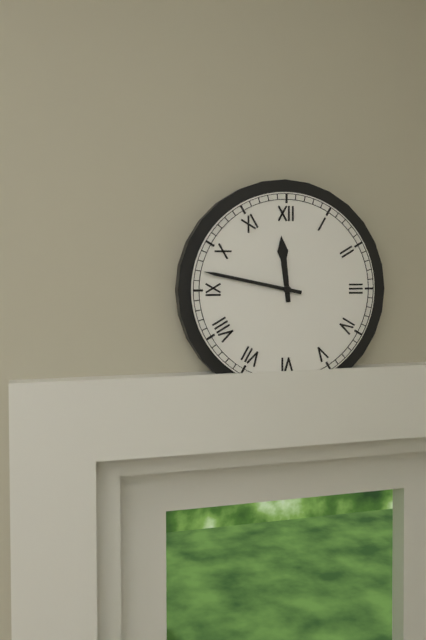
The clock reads 11,47
